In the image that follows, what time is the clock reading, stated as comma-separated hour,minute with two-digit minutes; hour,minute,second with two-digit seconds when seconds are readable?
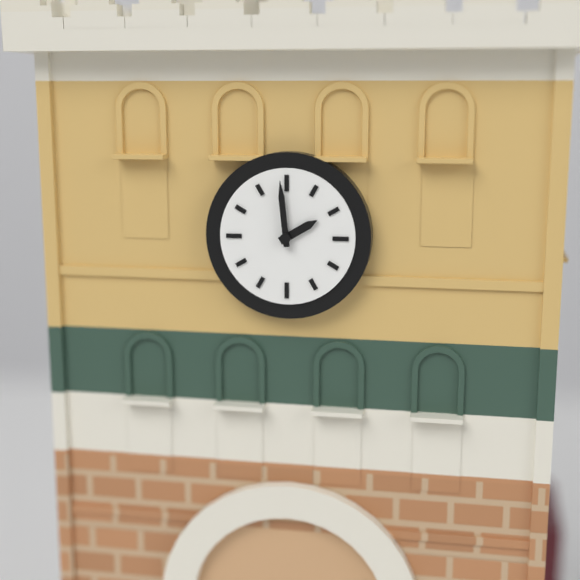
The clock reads 1,59
